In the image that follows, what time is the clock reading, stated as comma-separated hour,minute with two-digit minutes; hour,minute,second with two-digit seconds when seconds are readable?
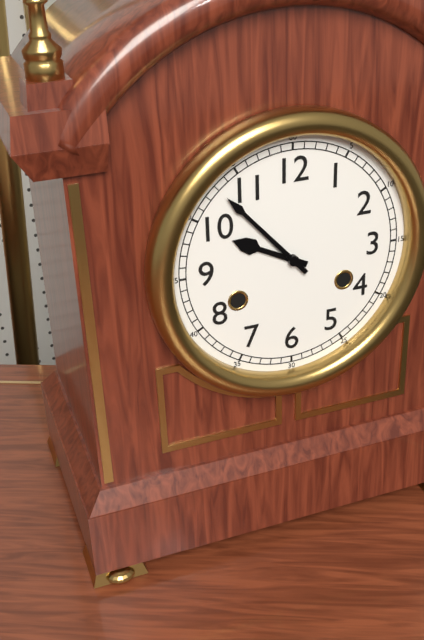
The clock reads 9,53
